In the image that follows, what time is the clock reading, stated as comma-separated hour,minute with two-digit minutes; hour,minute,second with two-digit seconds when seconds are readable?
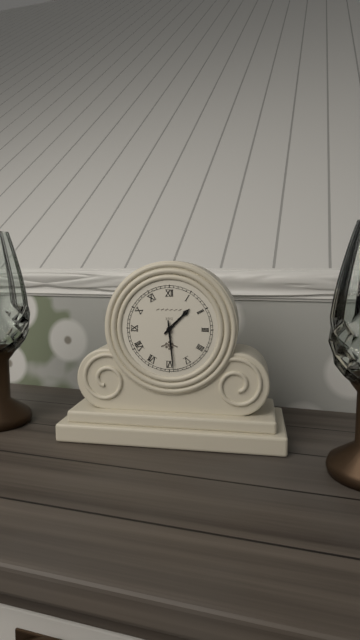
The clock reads 1,29
